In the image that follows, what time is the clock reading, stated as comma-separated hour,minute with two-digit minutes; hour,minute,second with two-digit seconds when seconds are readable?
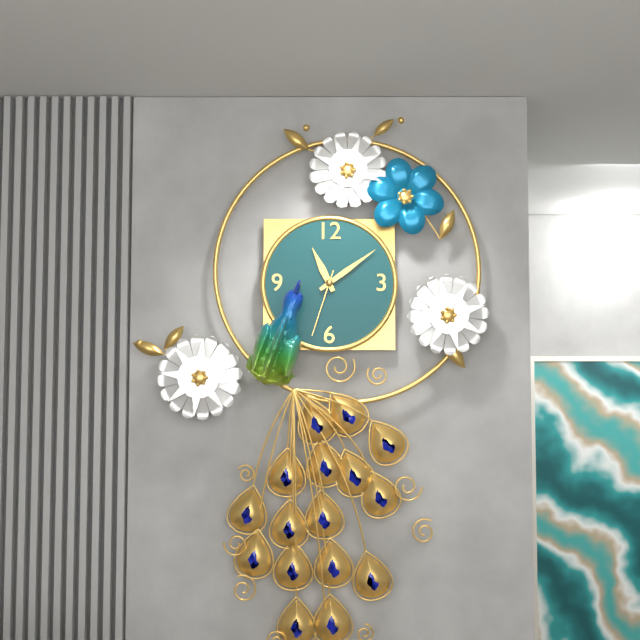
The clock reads 11,09,33
